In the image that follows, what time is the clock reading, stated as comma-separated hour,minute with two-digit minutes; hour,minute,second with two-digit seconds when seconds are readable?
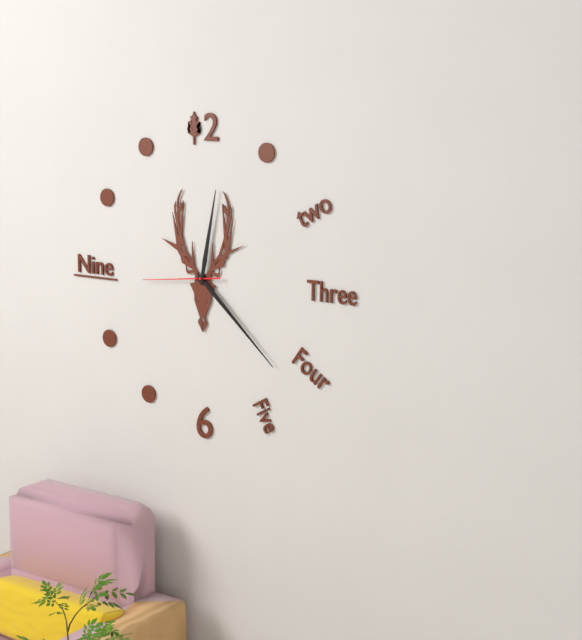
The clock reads 12,22,44
